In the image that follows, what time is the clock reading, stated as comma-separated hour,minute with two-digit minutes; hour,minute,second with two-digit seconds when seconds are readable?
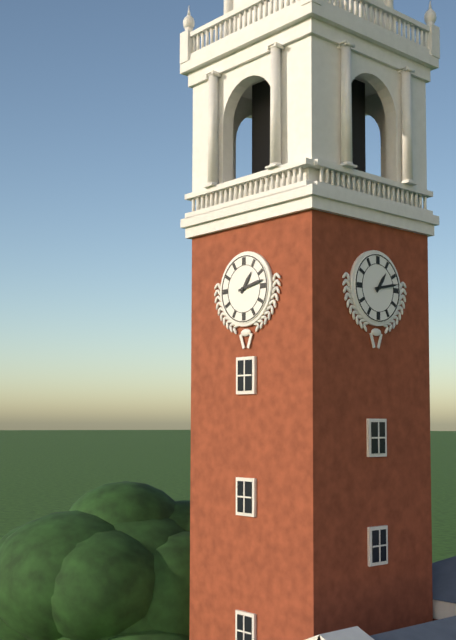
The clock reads 1,13
